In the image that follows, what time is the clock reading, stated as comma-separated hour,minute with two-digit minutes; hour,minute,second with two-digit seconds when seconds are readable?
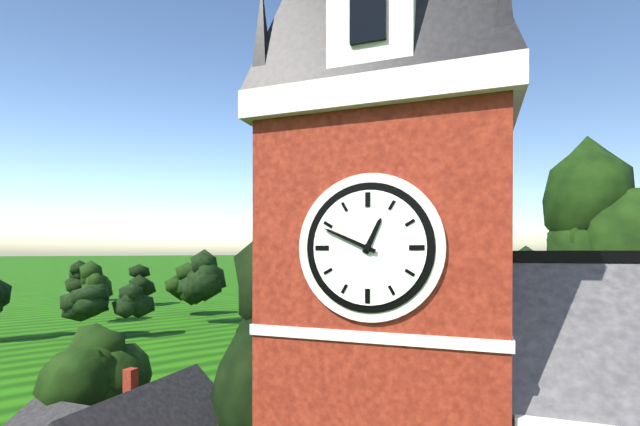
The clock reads 12,49
